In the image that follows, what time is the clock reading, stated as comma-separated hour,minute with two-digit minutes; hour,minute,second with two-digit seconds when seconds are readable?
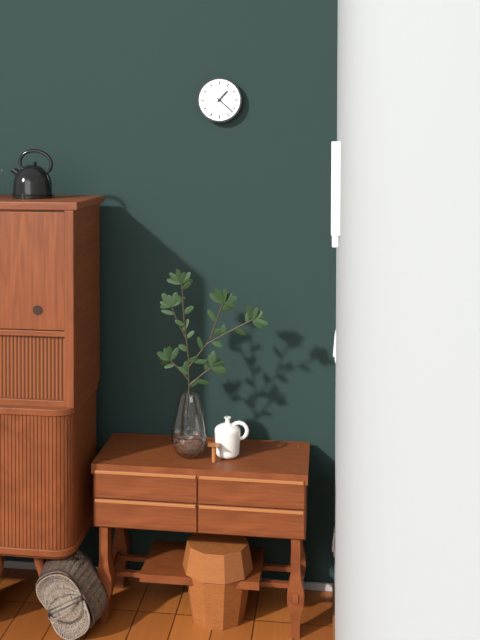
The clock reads 1,22
